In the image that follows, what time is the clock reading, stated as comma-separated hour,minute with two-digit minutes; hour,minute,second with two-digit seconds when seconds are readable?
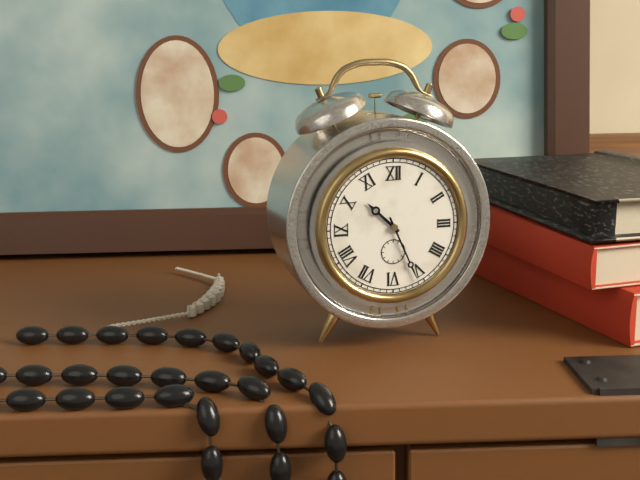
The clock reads 10,26
